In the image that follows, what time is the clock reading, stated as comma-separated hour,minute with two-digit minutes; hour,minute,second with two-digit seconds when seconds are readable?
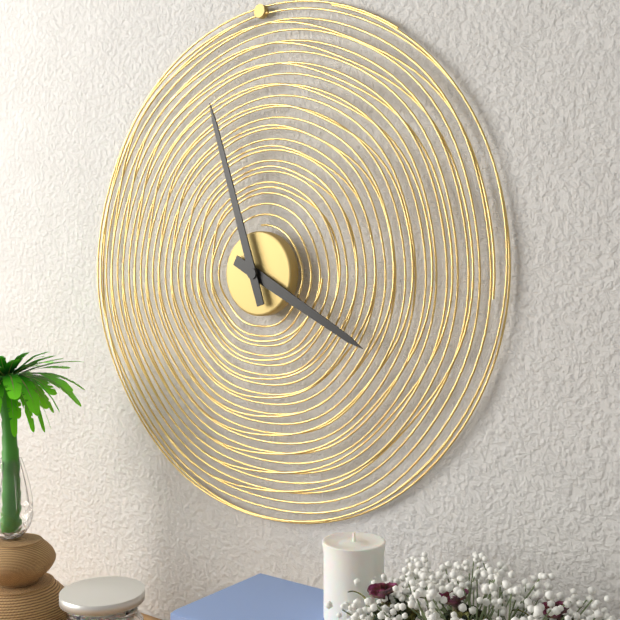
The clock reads 3,57
